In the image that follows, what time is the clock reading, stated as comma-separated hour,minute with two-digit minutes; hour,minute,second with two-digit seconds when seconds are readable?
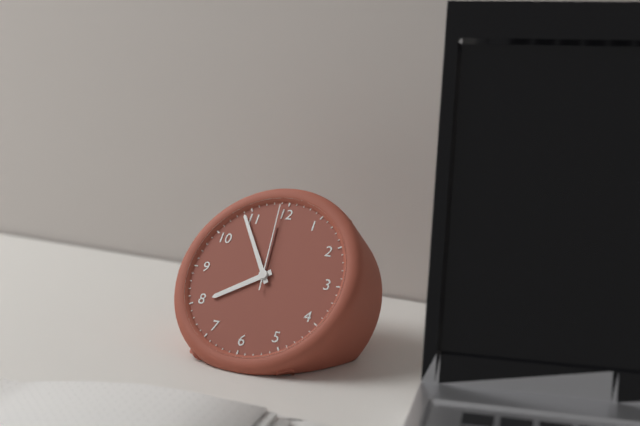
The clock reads 7,54,59
